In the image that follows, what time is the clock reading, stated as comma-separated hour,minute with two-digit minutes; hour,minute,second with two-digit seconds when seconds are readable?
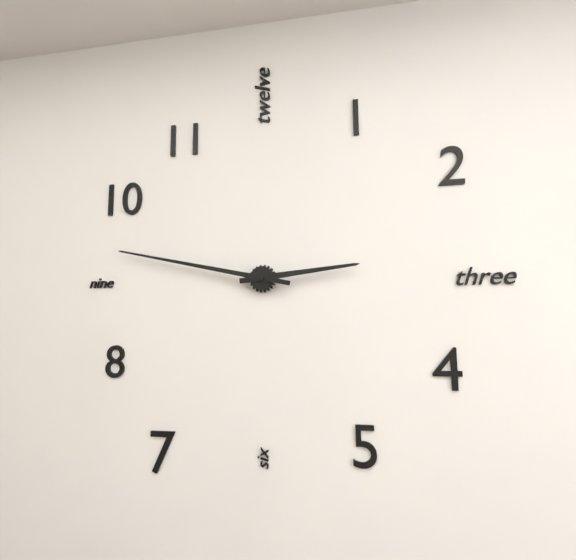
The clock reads 2,47
